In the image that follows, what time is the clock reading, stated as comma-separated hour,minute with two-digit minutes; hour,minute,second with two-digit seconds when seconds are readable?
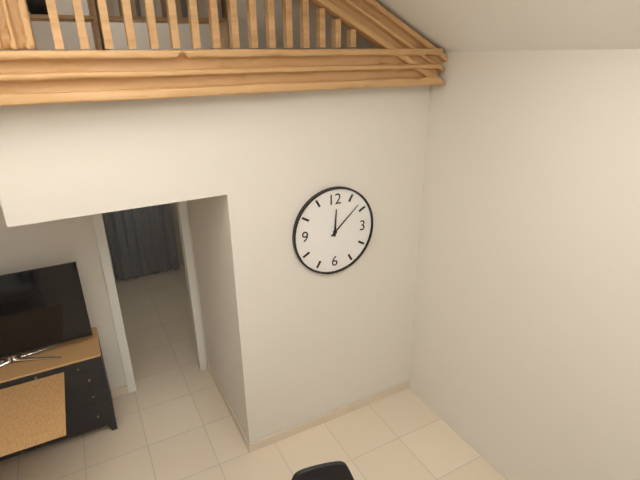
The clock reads 12,08
